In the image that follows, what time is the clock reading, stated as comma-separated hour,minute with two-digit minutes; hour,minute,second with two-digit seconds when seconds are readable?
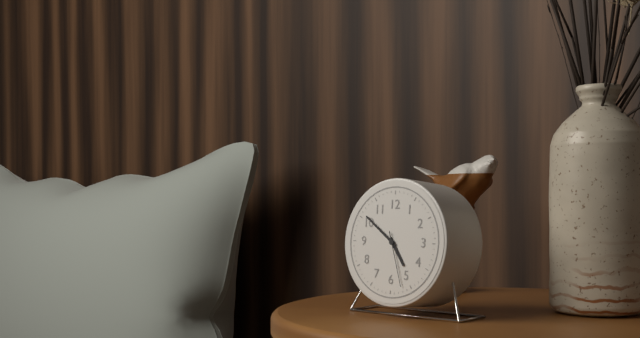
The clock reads 4,51,27
